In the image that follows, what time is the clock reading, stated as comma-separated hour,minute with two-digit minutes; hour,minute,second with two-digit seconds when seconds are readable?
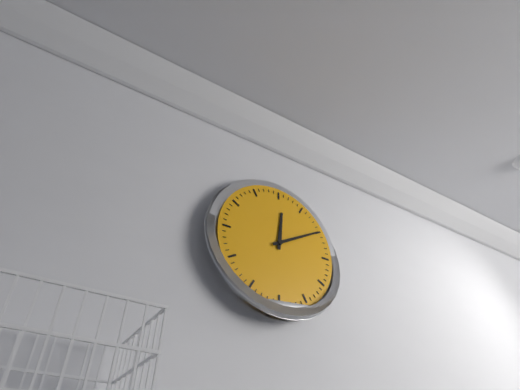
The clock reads 12,10
